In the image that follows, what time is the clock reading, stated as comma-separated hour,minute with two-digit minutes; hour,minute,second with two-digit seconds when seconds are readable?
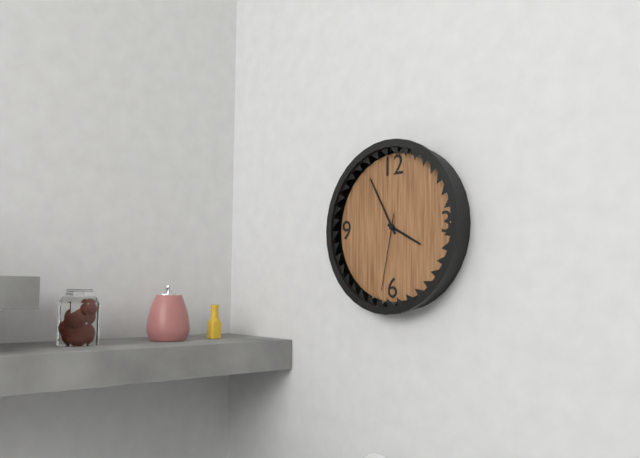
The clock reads 3,55,32
